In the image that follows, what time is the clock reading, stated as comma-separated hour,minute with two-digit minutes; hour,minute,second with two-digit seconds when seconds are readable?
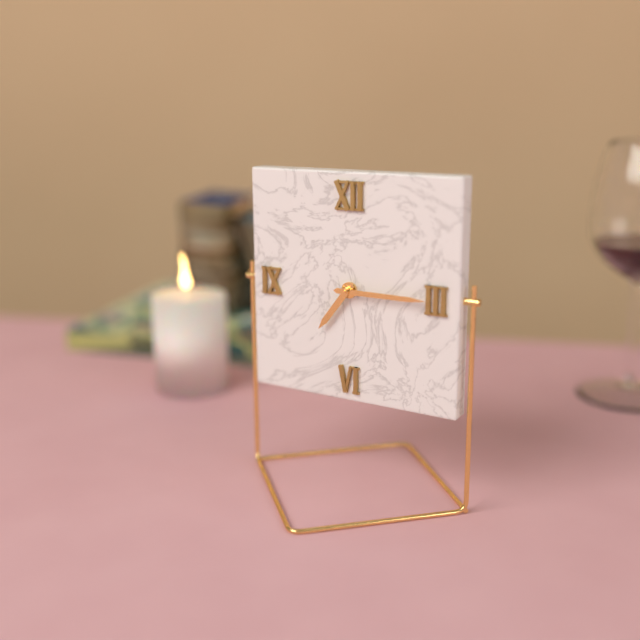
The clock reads 7,15
